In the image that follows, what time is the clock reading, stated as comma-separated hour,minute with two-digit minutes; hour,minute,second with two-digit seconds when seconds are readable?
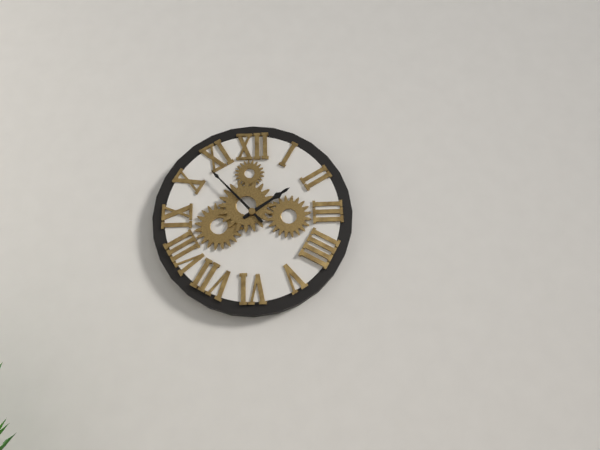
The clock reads 1,53
